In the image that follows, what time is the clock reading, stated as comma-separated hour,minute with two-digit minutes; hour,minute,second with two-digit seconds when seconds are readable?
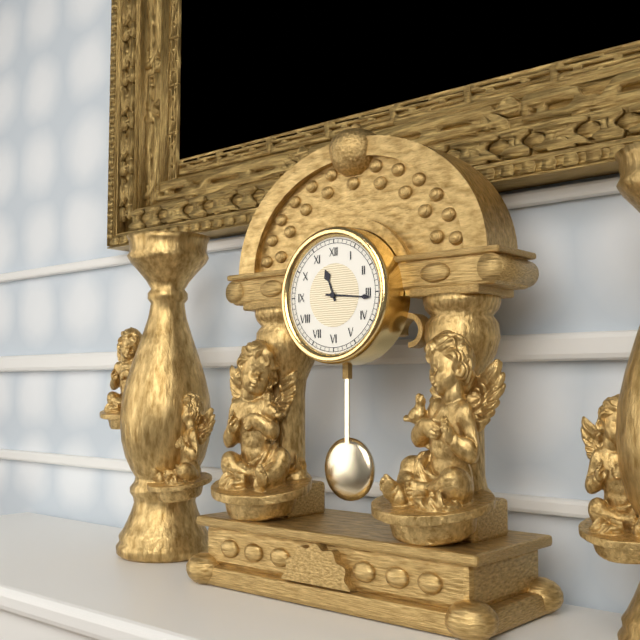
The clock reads 11,16
